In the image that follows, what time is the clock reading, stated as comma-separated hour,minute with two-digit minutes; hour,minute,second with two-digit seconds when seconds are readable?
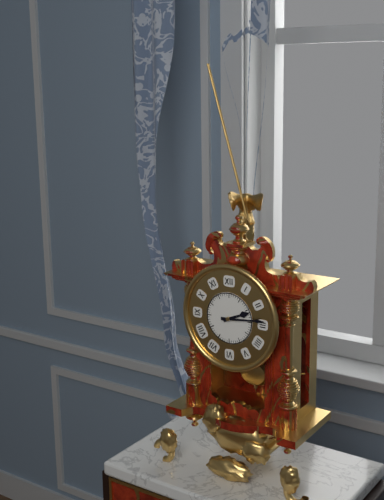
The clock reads 2,14
